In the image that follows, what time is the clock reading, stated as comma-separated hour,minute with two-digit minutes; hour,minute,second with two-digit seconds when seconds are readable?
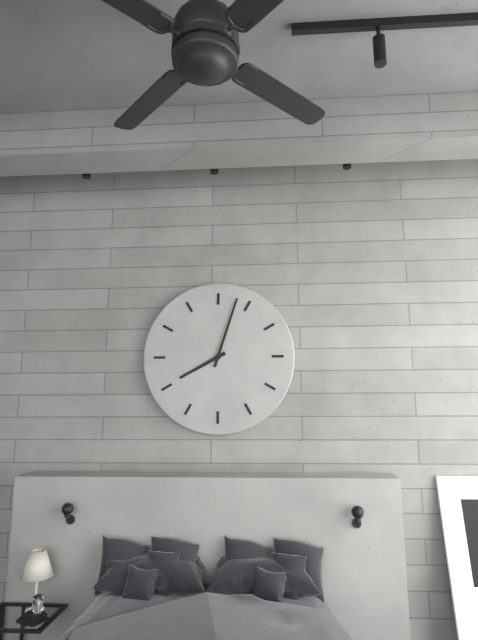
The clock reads 8,03
